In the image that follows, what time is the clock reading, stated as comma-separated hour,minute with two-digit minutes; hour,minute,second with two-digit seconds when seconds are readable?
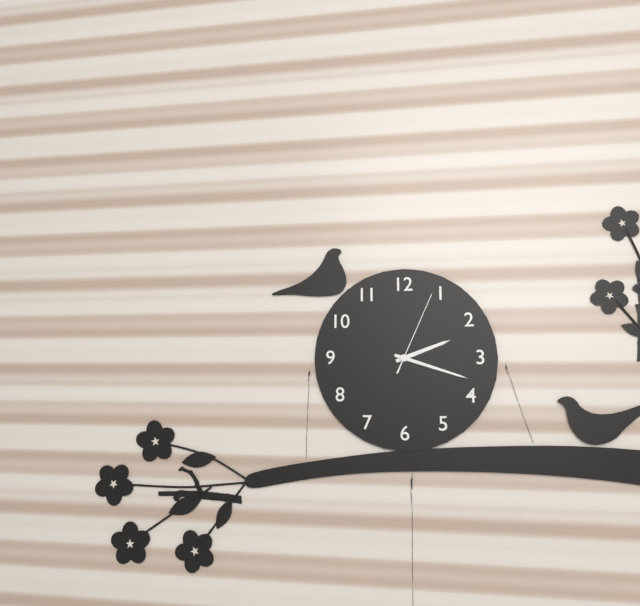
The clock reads 2,18,04
